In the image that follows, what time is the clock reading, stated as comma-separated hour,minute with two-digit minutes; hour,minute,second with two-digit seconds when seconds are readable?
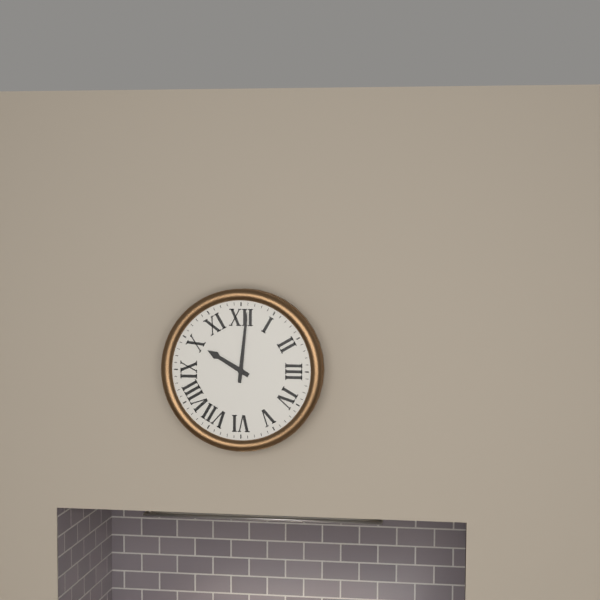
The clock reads 10,01
